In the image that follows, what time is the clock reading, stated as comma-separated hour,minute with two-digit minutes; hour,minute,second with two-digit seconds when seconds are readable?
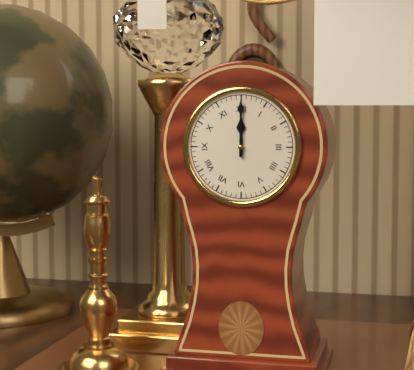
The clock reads 12,00
